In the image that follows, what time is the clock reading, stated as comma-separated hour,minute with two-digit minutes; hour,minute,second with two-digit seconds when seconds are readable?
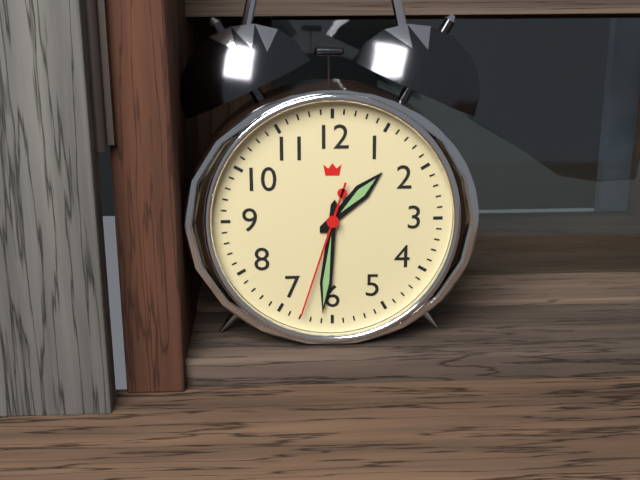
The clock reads 1,31,33
